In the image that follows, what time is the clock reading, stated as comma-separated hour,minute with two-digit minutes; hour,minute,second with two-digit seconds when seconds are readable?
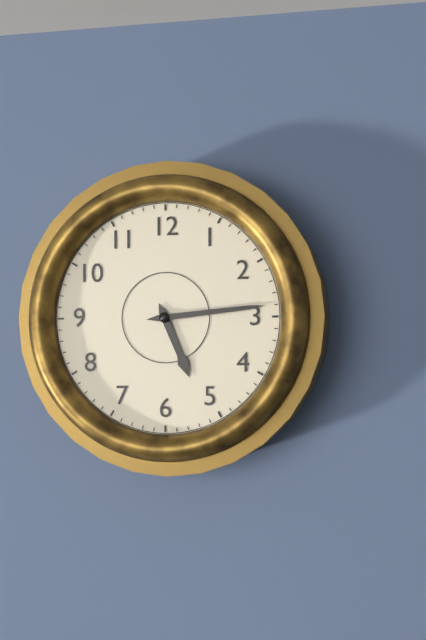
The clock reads 5,14
